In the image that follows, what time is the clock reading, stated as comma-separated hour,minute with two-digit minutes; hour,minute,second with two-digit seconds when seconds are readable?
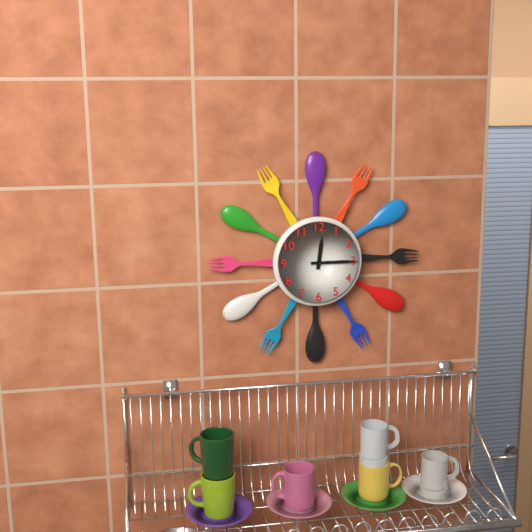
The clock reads 12,15
